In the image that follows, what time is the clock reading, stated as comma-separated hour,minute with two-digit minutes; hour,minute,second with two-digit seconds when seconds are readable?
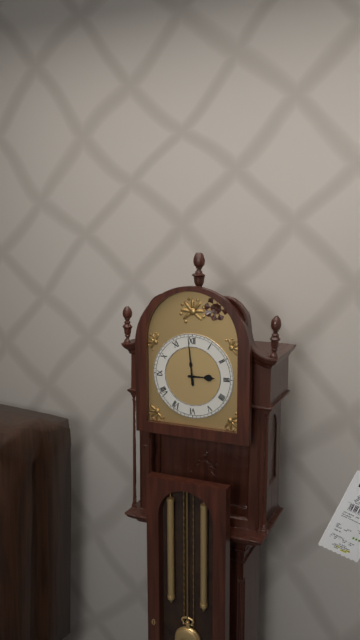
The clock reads 2,59
